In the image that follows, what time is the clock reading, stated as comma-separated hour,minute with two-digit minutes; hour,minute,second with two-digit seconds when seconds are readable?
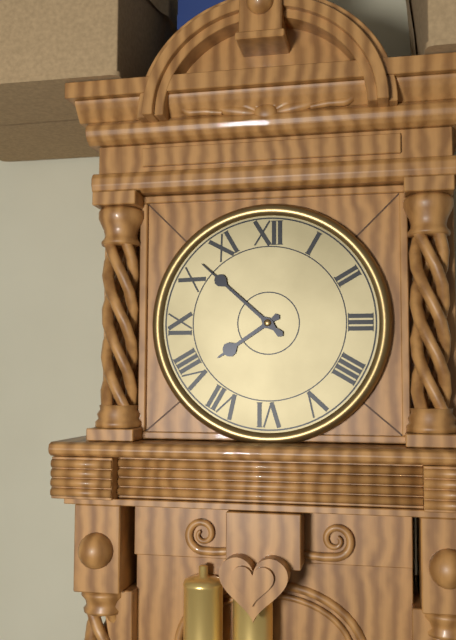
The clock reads 7,52
